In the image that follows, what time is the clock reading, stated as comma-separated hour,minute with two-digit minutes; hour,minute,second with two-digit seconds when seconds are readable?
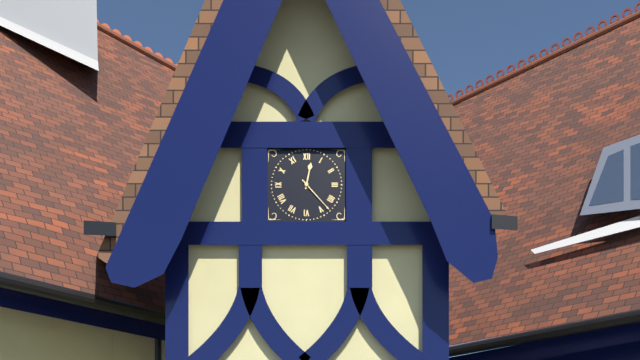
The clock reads 12,23
